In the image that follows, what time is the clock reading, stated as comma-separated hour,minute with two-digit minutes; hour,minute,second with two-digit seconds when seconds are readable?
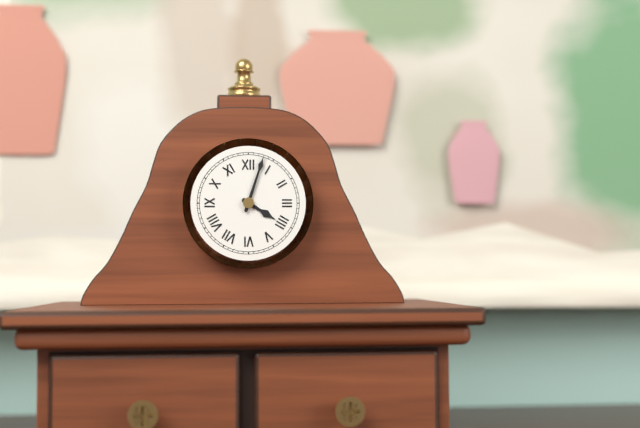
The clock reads 4,03
